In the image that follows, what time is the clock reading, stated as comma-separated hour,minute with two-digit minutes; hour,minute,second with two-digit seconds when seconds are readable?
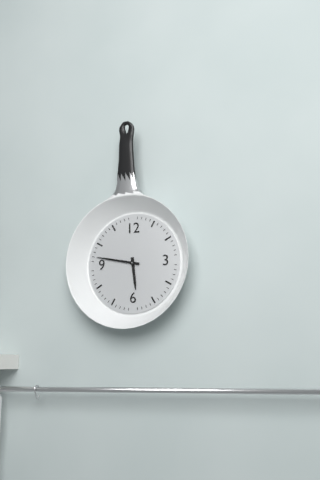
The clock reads 5,47
